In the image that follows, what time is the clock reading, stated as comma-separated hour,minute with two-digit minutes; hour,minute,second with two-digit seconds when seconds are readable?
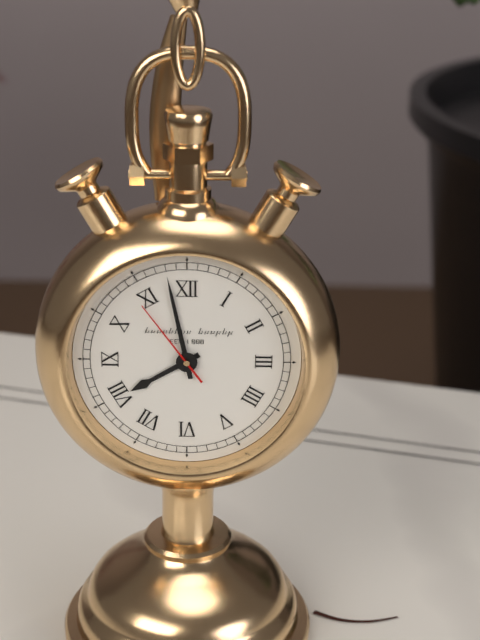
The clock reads 7,58,54
